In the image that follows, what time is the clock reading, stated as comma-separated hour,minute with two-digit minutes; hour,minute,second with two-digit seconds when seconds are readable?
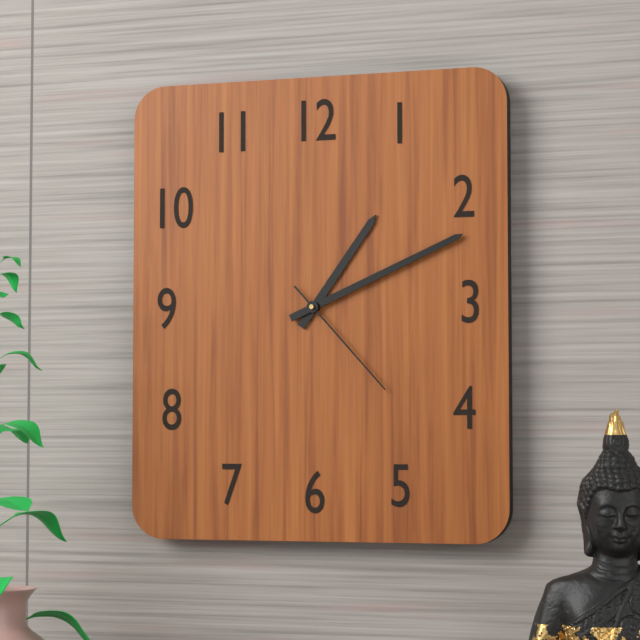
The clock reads 1,11,23
